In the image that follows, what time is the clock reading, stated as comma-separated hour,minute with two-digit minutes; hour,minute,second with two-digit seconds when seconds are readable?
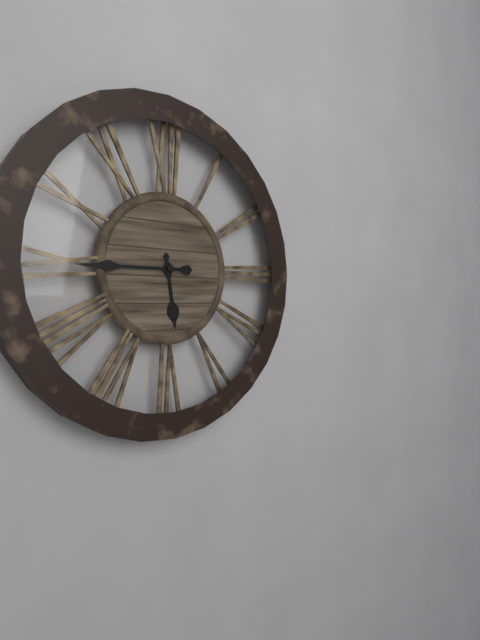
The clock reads 5,45
